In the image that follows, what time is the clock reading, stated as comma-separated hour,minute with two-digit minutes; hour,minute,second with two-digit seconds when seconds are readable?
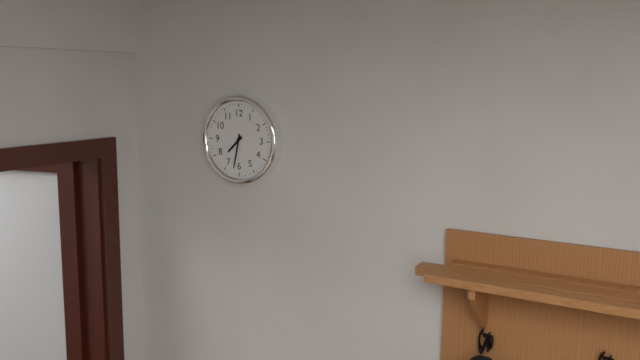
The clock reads 7,32
